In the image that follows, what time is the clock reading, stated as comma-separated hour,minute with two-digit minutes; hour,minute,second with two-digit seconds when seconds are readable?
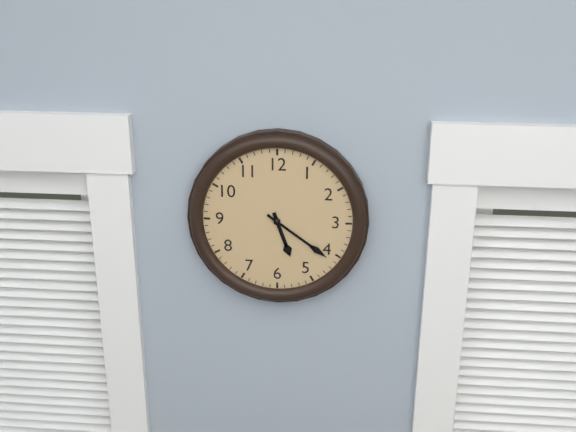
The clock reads 5,21
